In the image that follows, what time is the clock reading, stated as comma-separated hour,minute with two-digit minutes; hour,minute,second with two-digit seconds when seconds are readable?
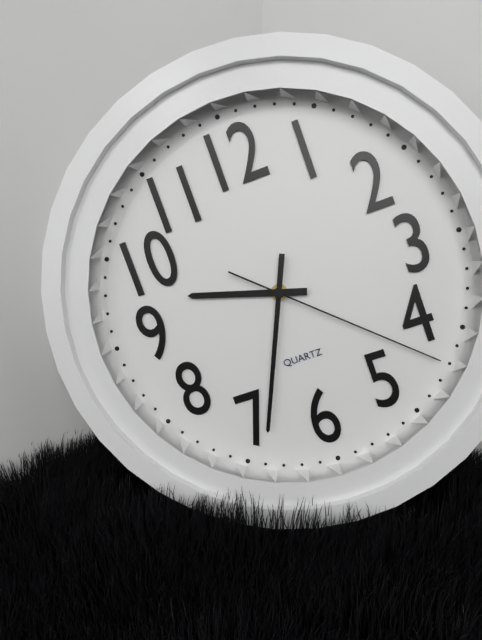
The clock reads 9,34,22
